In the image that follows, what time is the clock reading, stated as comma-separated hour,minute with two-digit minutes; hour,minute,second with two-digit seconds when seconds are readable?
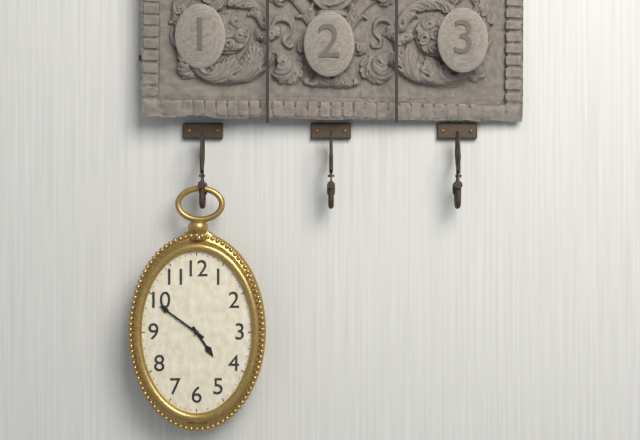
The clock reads 4,51
